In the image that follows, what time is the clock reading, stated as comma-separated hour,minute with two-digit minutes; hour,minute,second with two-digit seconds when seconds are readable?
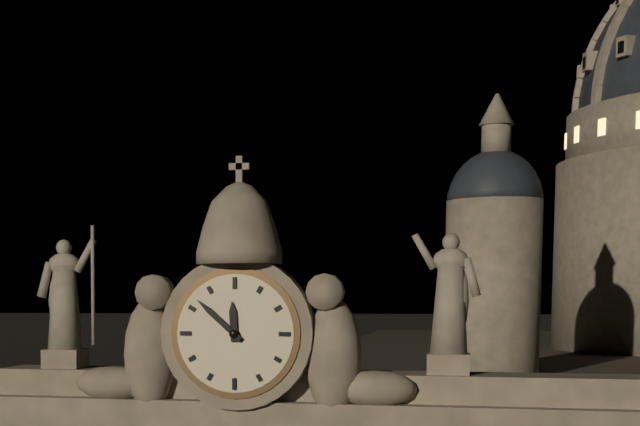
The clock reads 11,52
